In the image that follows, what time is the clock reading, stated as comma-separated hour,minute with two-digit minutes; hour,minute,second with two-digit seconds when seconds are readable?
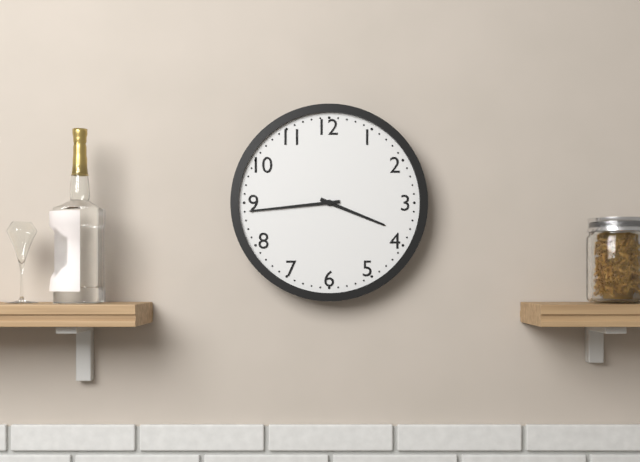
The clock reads 3,44
